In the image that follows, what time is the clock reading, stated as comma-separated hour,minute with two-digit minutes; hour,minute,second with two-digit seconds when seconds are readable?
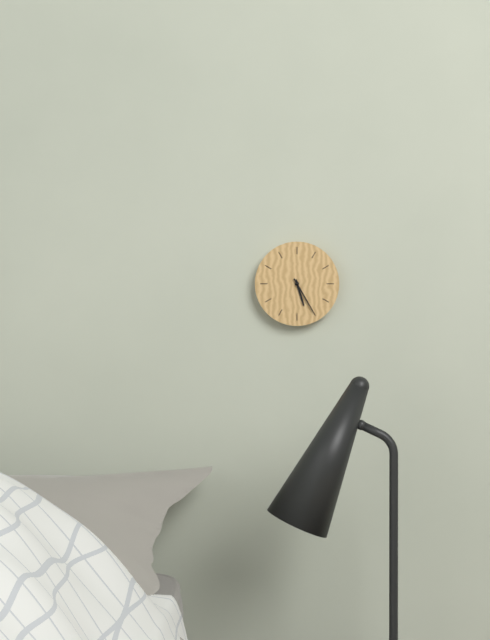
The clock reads 5,25
